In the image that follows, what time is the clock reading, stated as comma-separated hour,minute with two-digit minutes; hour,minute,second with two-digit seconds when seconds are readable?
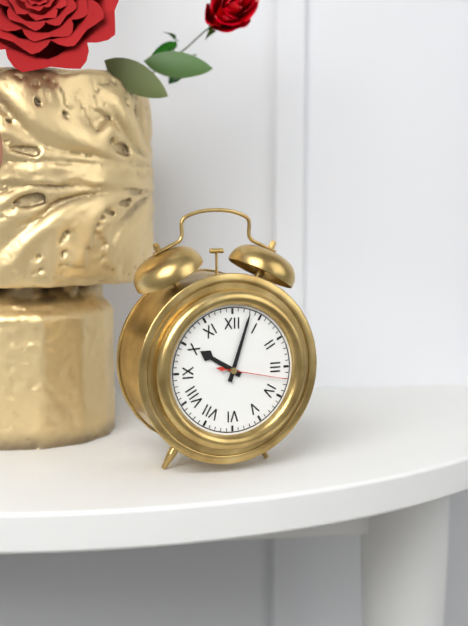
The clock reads 10,03,17
